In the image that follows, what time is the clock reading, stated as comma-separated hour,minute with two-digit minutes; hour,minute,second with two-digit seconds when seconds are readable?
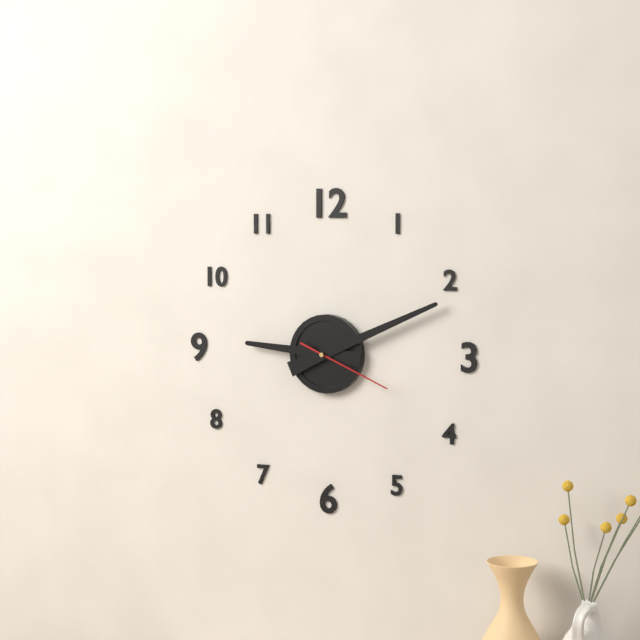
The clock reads 9,11,19
